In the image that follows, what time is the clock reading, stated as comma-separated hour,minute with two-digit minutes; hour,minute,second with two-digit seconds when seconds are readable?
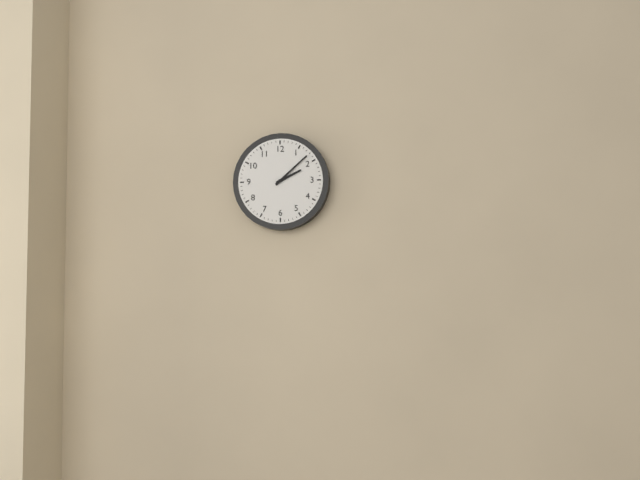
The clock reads 2,08
